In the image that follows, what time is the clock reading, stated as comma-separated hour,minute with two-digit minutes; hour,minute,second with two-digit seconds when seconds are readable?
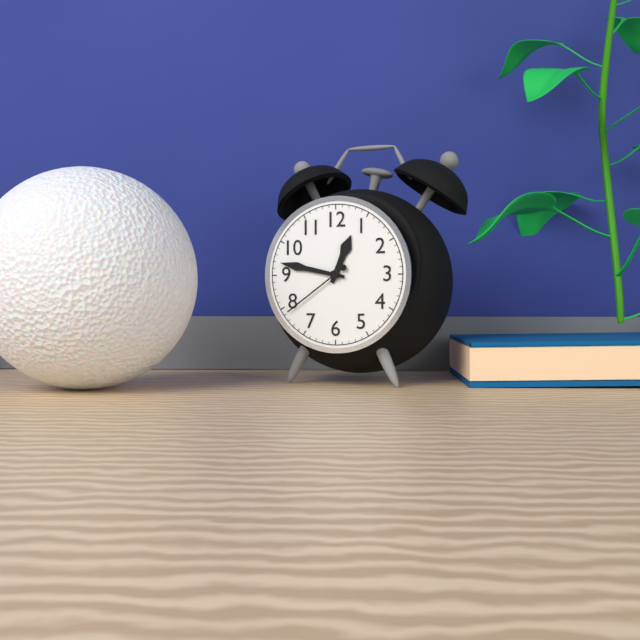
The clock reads 12,47,39
